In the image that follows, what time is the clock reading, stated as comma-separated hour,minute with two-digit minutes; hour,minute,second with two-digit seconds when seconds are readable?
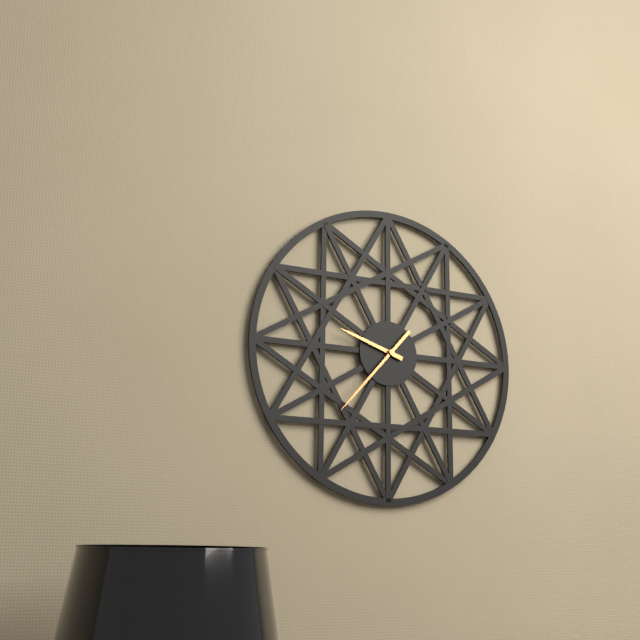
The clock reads 9,37
